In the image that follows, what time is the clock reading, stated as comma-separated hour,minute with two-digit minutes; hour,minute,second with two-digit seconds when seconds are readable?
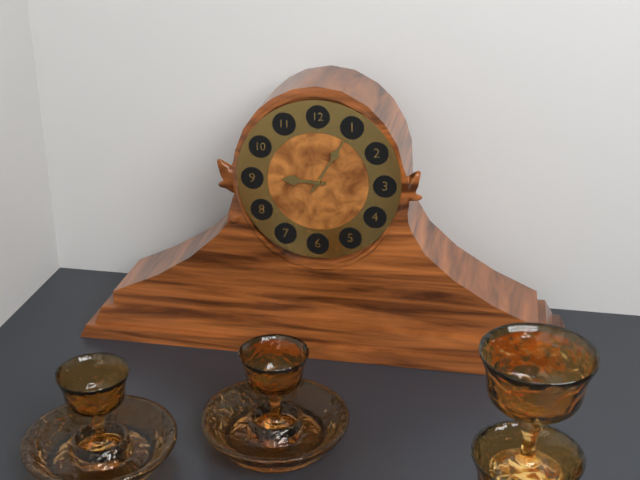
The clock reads 9,05
